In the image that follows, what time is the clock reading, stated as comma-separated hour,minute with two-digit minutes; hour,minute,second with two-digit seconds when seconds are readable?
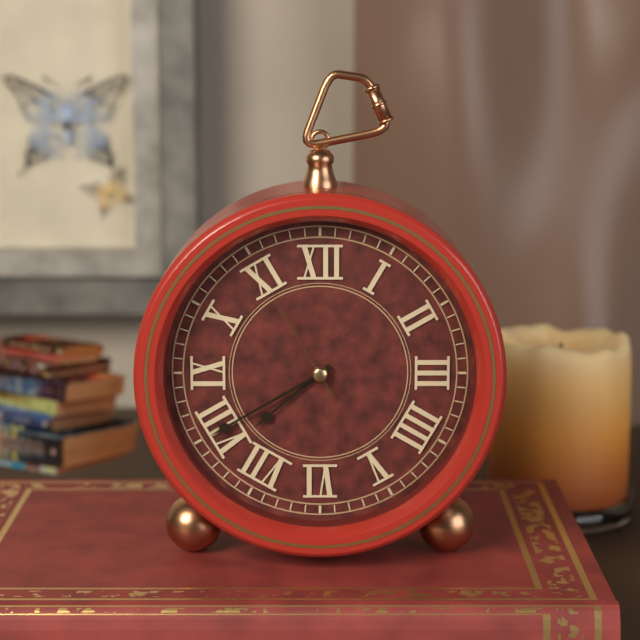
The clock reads 7,40,55
